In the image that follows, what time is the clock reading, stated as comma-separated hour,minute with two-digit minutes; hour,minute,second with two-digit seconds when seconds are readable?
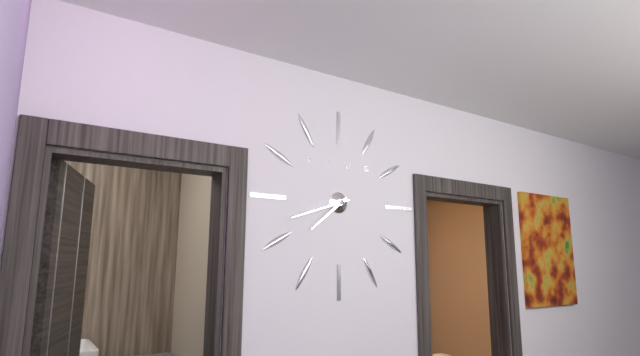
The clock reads 7,42
